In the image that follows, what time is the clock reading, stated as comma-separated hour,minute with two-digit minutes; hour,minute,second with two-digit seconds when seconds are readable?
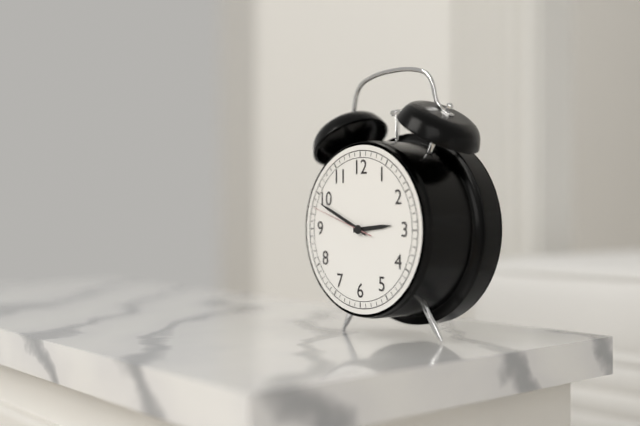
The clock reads 2,49,48
